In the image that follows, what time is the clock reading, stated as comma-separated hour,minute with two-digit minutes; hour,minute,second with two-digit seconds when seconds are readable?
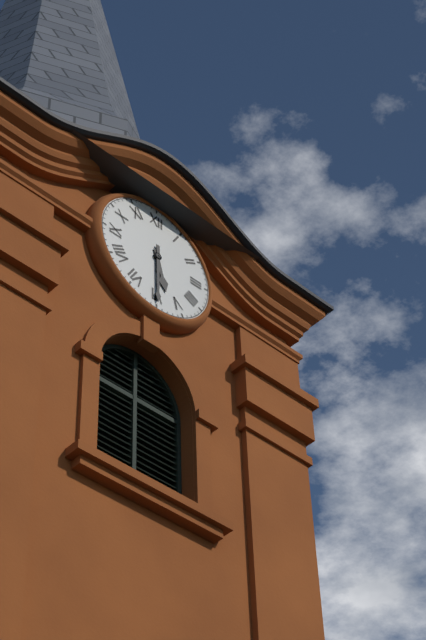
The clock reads 5,30
